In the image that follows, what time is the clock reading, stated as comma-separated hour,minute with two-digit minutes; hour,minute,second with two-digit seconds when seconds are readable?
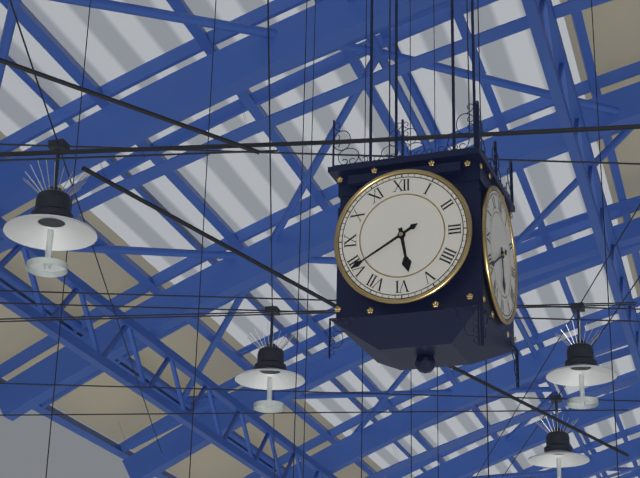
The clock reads 5,40
